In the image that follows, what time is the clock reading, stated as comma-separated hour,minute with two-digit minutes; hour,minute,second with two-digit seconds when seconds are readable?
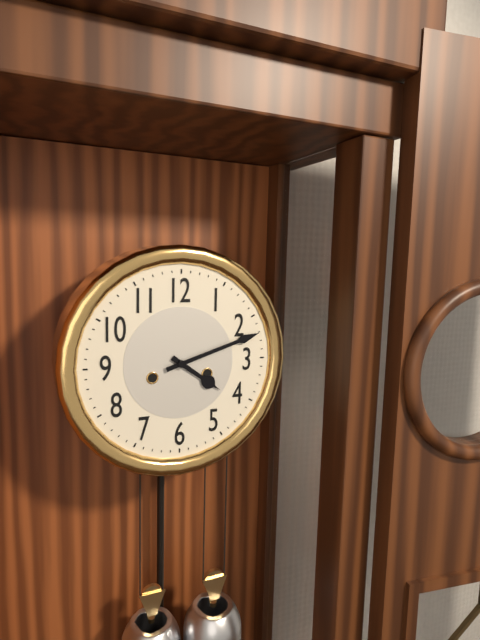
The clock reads 4,12
